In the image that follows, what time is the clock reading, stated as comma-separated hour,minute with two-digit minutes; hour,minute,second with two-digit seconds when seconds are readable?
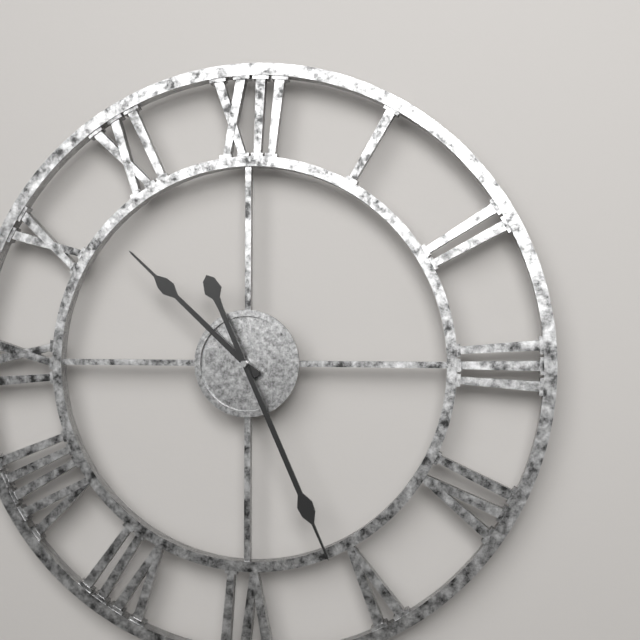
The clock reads 10,26
